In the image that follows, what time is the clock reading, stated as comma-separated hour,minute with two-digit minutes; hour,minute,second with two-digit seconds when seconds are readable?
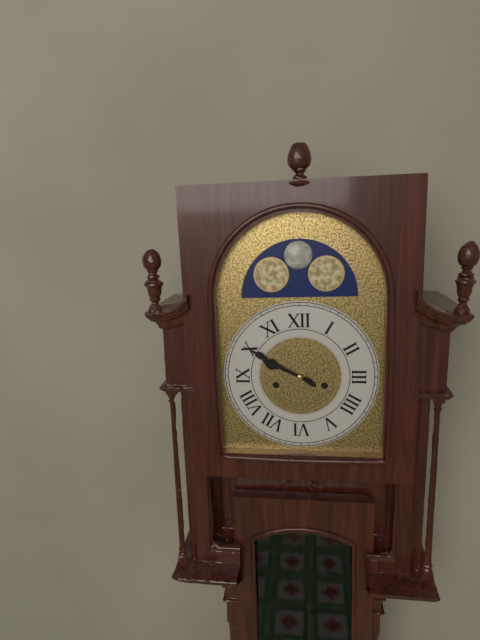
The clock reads 9,50
